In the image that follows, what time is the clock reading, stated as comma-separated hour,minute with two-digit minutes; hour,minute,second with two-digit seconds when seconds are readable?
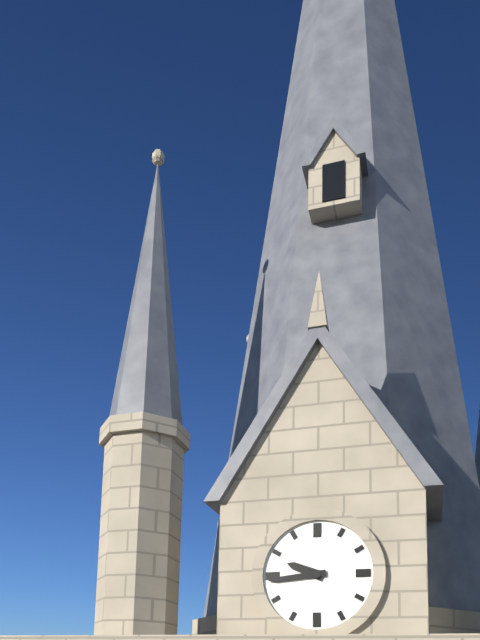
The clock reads 9,44
